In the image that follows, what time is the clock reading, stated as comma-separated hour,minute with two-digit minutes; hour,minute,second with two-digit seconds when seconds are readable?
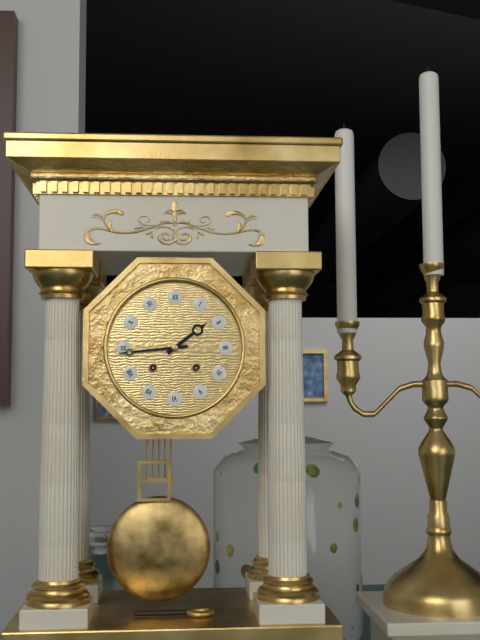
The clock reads 1,44
